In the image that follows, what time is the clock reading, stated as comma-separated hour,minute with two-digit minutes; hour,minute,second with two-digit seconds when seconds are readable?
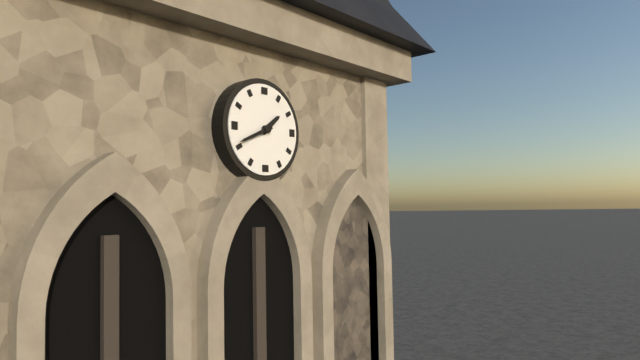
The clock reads 1,41
